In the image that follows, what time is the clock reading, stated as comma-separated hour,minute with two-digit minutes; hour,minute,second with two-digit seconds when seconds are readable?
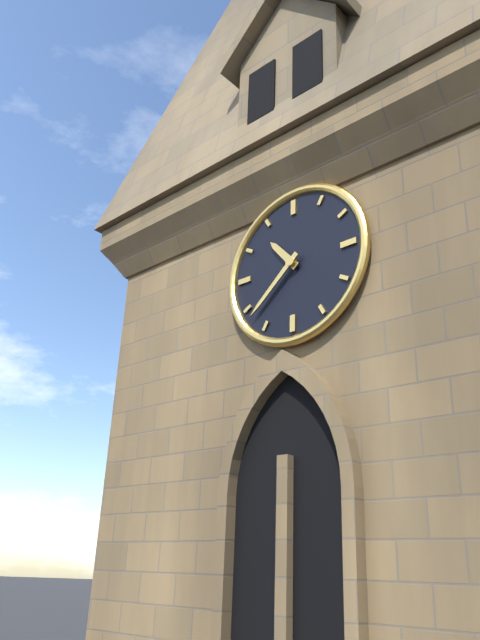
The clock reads 10,38
